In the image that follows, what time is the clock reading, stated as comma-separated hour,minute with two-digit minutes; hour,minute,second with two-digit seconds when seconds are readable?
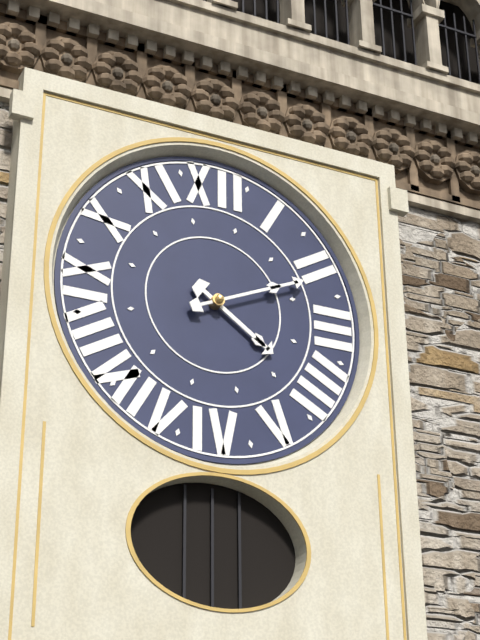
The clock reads 4,11
